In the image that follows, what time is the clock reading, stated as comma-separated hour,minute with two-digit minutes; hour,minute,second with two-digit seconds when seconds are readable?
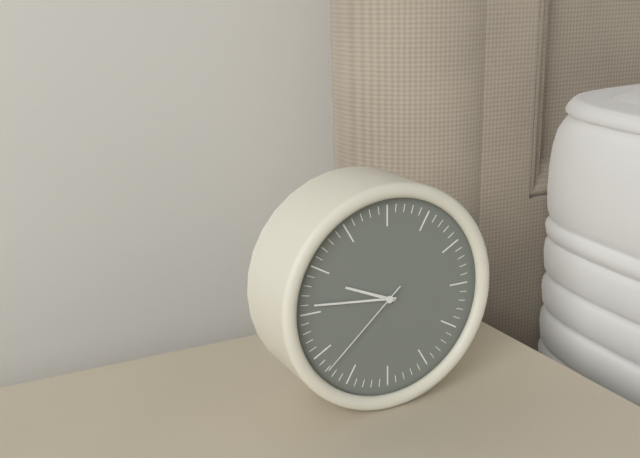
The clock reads 9,46,38
